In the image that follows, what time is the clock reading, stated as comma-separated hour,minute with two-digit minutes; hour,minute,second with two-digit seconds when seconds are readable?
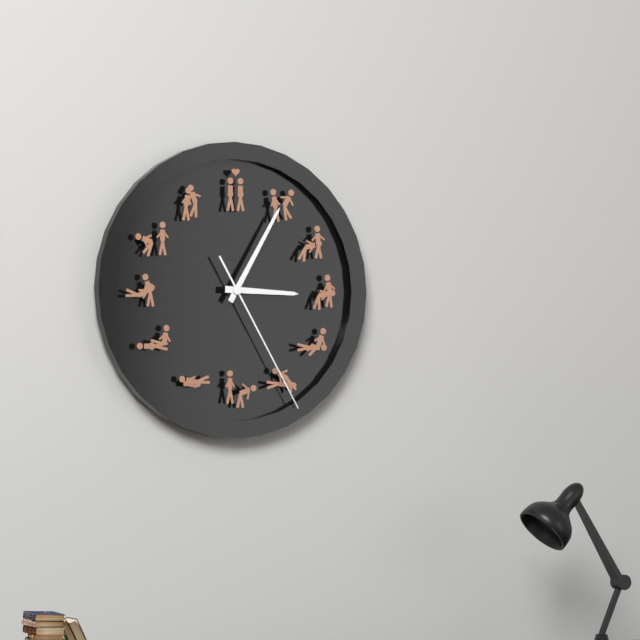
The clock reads 3,05,25
